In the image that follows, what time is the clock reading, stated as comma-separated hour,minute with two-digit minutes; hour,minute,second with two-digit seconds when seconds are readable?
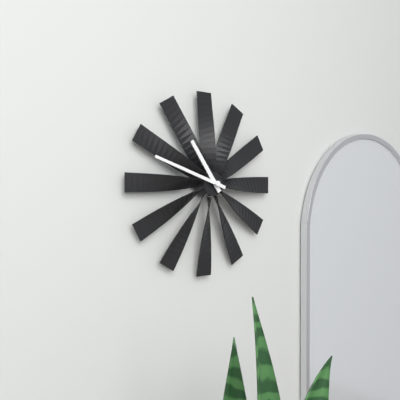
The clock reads 10,48
